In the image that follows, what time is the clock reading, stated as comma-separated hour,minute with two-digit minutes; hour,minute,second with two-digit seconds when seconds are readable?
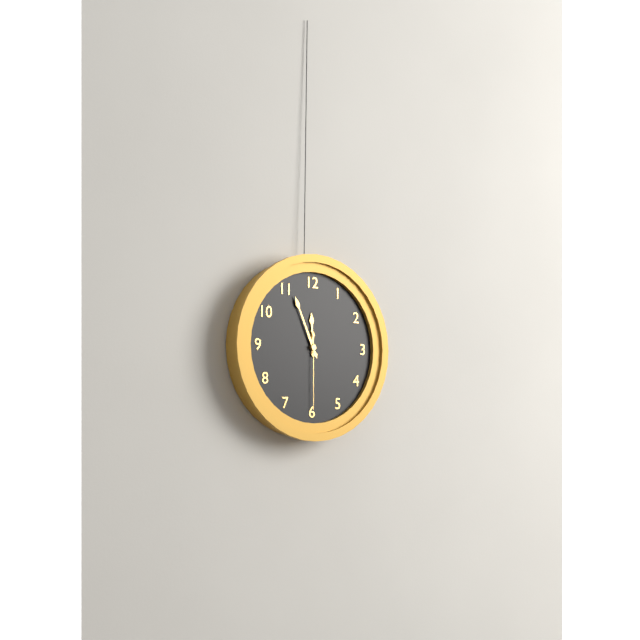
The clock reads 11,56,30
